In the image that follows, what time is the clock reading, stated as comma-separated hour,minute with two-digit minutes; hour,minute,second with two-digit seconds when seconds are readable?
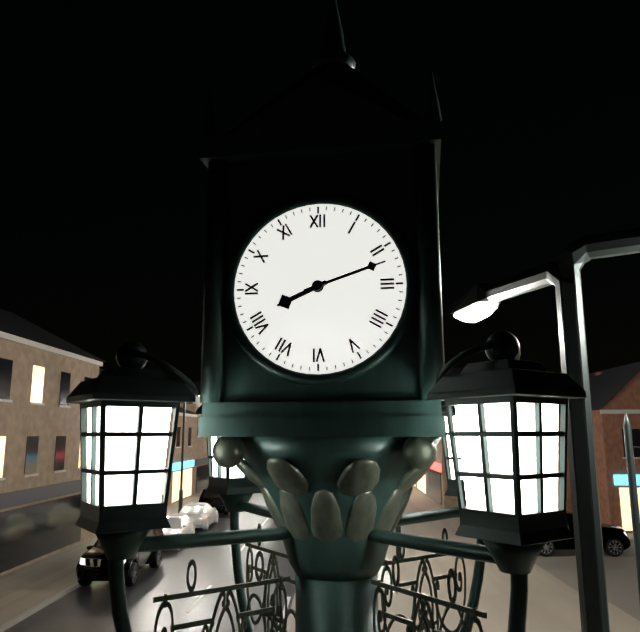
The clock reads 8,12
